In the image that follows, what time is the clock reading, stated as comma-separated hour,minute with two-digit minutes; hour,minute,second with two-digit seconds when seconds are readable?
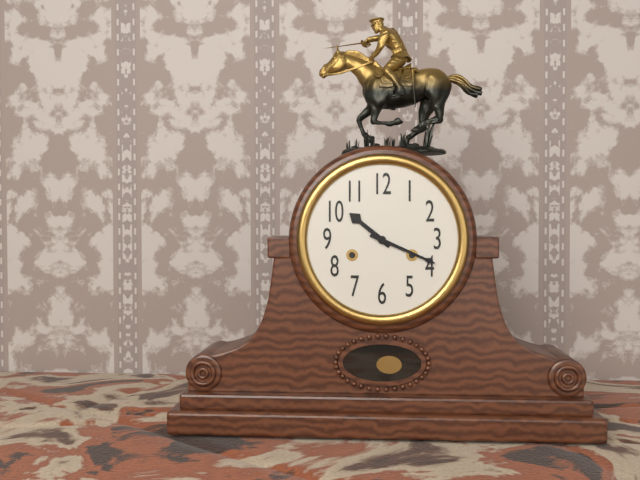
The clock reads 10,19
